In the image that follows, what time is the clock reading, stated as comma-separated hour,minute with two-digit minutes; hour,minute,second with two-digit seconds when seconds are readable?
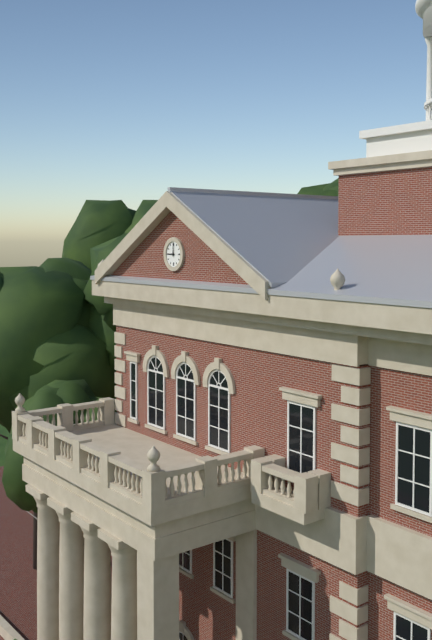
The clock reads 9,00
